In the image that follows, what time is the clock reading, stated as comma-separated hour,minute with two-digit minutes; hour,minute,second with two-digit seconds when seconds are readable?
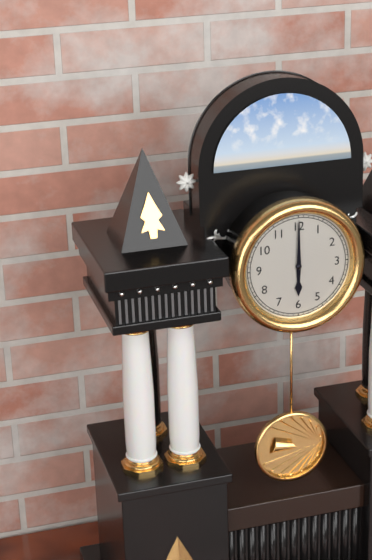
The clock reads 6,00
